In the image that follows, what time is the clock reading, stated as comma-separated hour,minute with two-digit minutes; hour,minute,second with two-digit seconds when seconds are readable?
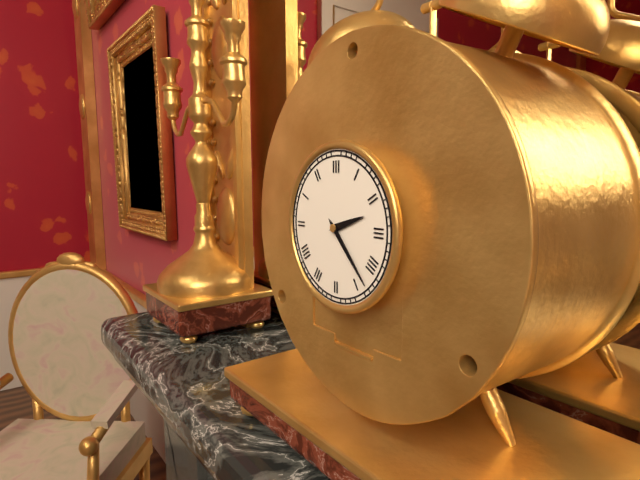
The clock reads 2,23
